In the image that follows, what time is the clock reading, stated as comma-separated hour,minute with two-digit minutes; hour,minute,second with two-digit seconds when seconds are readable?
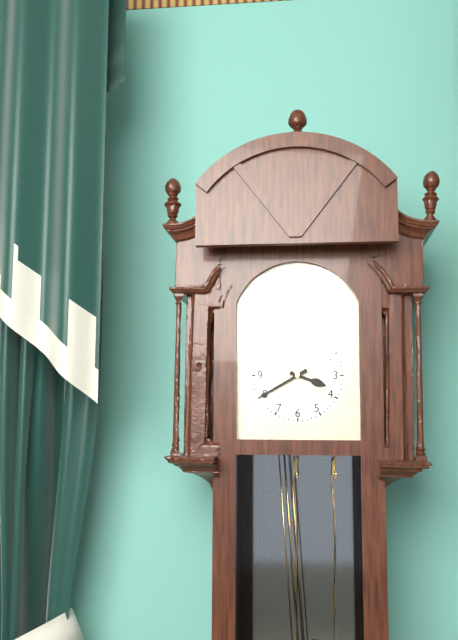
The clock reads 3,40
